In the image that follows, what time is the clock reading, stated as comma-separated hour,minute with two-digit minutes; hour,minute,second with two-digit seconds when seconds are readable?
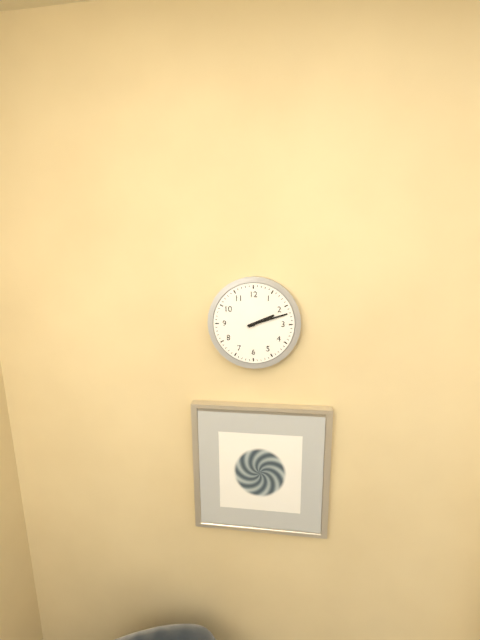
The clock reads 2,12
